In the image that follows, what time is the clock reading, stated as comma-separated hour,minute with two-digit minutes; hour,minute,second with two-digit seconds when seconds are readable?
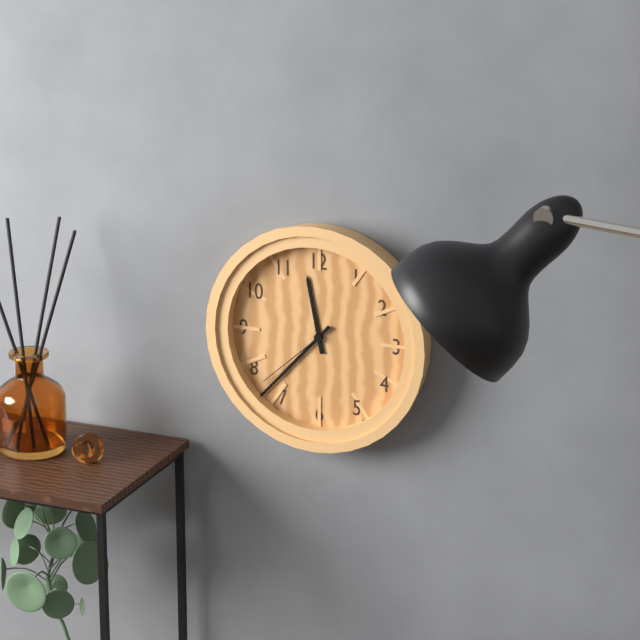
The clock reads 11,37,38
